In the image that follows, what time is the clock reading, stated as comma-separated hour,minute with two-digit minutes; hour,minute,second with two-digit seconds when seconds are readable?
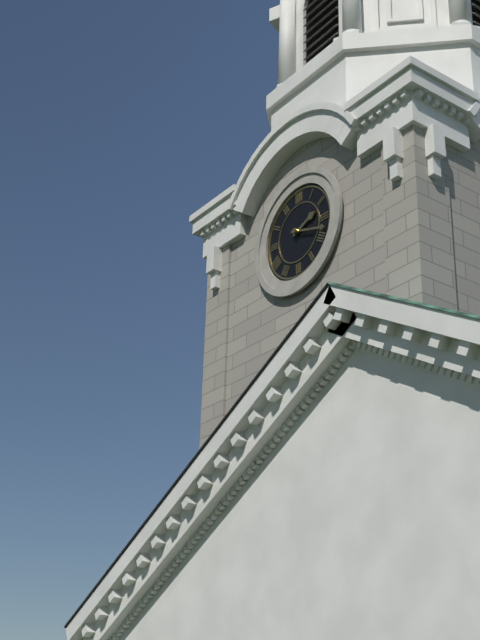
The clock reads 2,18
